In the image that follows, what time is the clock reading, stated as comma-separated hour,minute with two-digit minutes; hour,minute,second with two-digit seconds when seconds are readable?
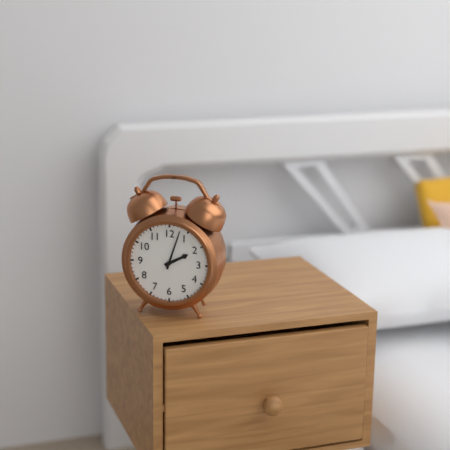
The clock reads 2,03
